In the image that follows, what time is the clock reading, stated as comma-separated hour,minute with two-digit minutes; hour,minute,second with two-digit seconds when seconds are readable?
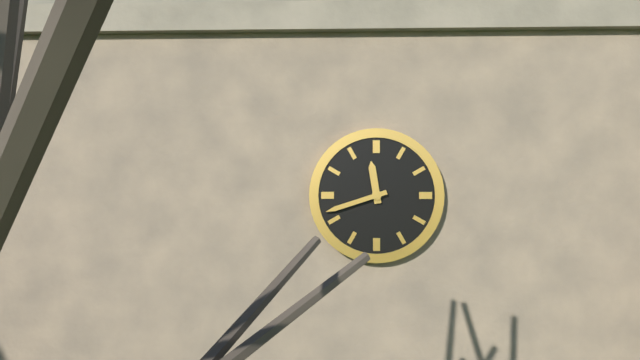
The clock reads 11,42
